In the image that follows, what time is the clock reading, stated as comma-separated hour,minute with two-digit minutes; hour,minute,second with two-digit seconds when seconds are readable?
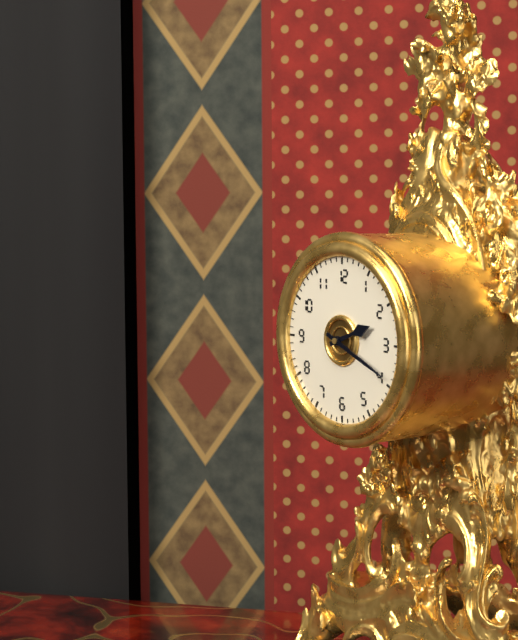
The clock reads 2,19
